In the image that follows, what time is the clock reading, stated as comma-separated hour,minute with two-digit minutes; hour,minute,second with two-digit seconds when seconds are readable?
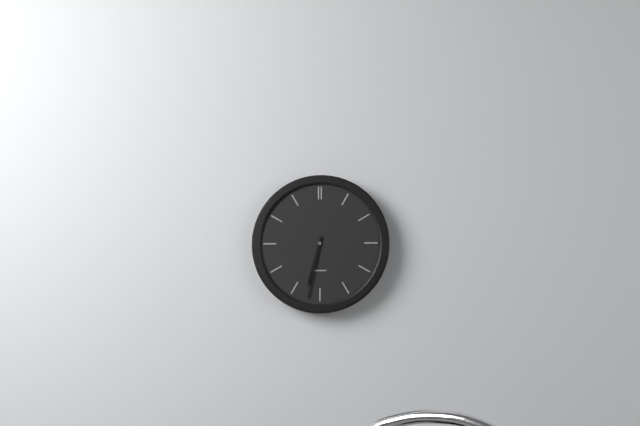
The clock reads 6,32
